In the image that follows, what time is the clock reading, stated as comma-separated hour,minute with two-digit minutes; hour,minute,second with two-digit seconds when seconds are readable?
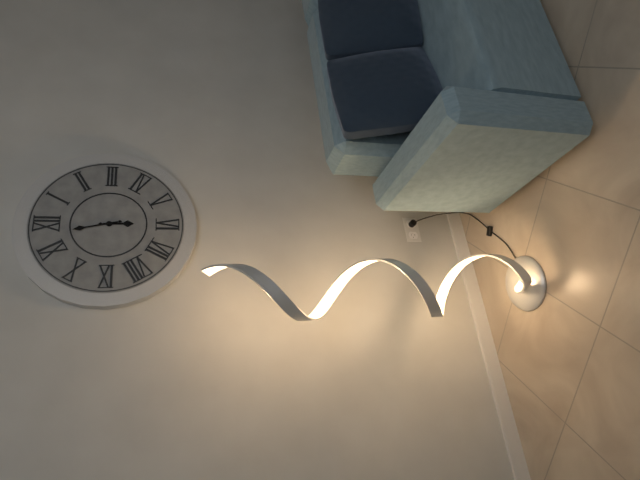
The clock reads 5,58
